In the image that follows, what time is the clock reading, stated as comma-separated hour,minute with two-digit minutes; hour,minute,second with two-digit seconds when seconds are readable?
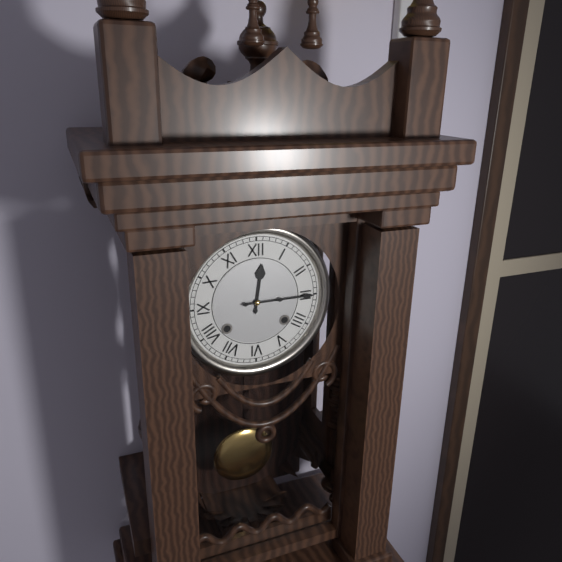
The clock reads 12,15
